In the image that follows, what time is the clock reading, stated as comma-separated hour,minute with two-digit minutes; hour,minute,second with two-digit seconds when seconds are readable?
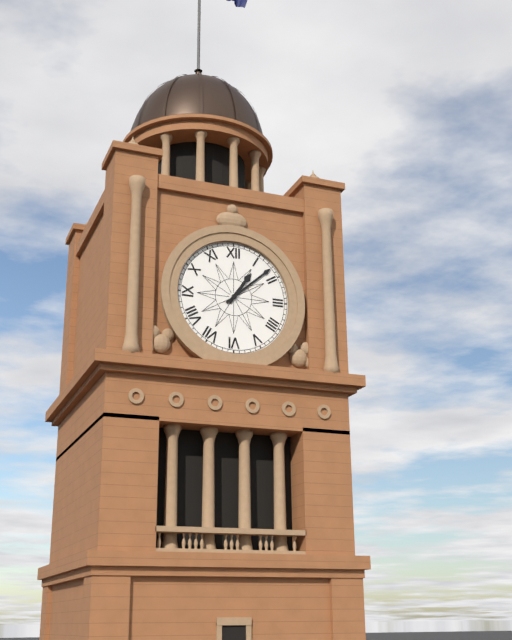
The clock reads 1,08
